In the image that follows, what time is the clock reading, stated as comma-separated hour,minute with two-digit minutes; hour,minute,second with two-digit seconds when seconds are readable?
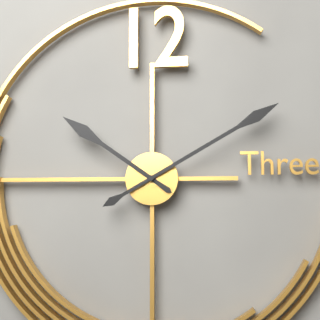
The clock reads 10,10
